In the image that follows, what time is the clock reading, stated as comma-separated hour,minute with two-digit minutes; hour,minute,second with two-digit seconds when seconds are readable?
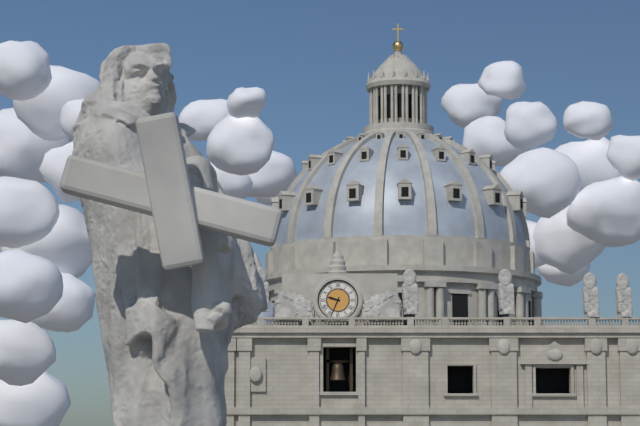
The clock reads 9,34
